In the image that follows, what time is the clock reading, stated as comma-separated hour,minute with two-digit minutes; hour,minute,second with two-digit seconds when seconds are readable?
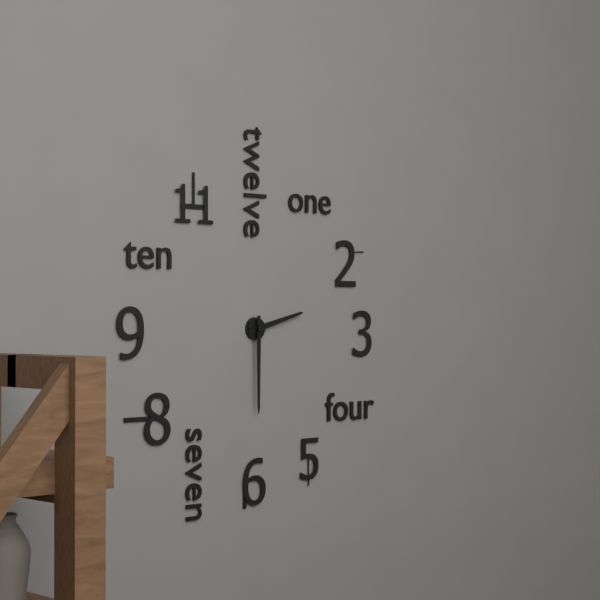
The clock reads 2,30
